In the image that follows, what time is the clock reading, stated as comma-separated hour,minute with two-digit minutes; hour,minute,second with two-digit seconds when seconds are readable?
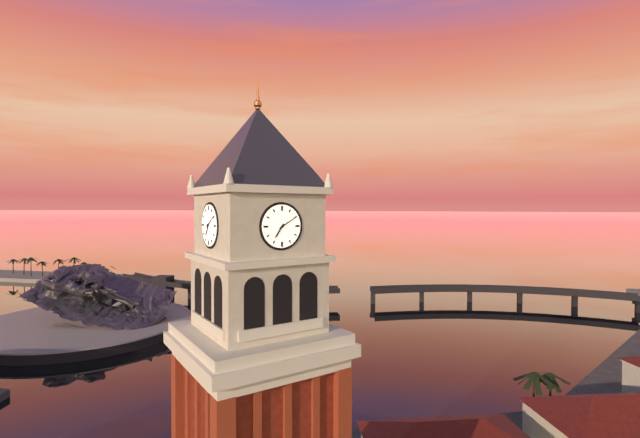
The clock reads 7,10
